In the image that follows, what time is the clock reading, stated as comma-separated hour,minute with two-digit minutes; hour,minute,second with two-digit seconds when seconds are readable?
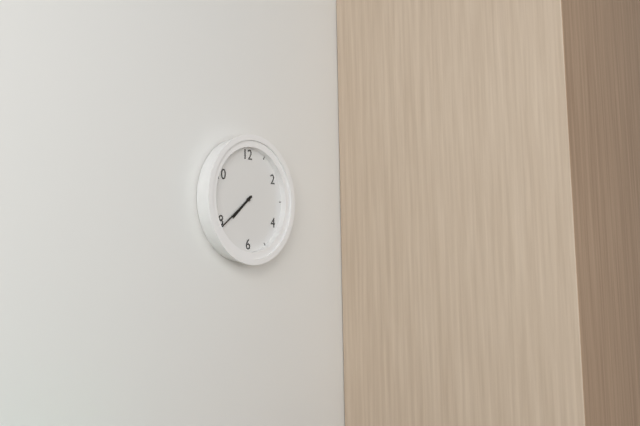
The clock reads 7,39
